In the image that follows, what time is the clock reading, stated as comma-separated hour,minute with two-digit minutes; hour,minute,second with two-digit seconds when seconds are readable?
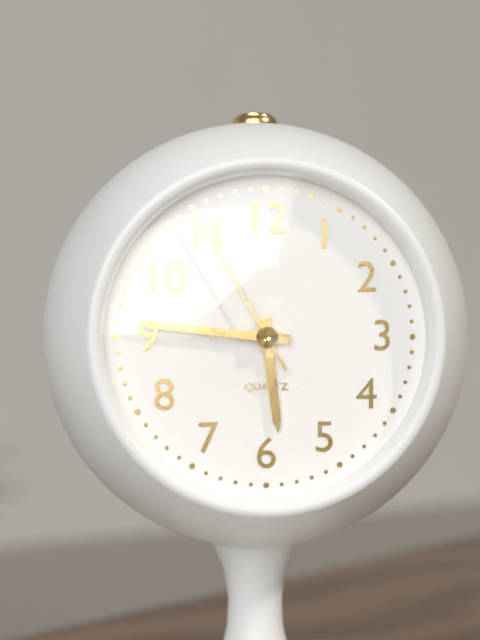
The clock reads 5,46,55
